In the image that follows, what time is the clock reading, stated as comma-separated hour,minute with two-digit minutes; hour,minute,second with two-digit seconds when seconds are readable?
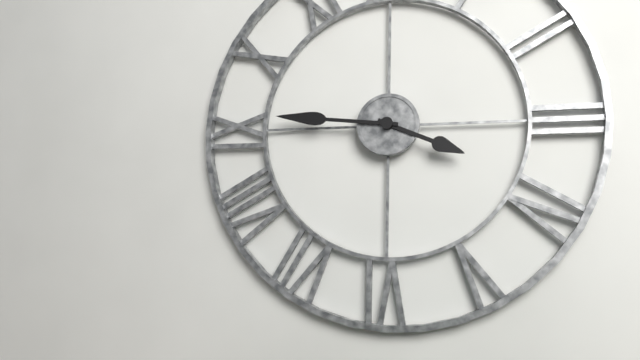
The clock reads 3,46
